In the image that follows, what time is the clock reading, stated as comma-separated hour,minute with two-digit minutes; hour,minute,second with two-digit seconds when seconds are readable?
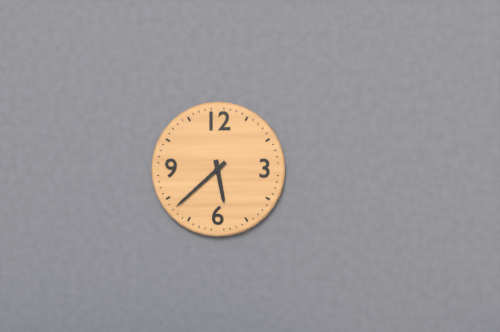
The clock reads 5,38
